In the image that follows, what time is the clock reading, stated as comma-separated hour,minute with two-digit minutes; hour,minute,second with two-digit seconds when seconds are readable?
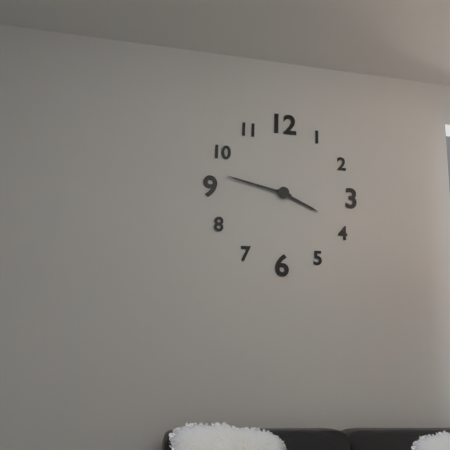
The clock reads 3,47
